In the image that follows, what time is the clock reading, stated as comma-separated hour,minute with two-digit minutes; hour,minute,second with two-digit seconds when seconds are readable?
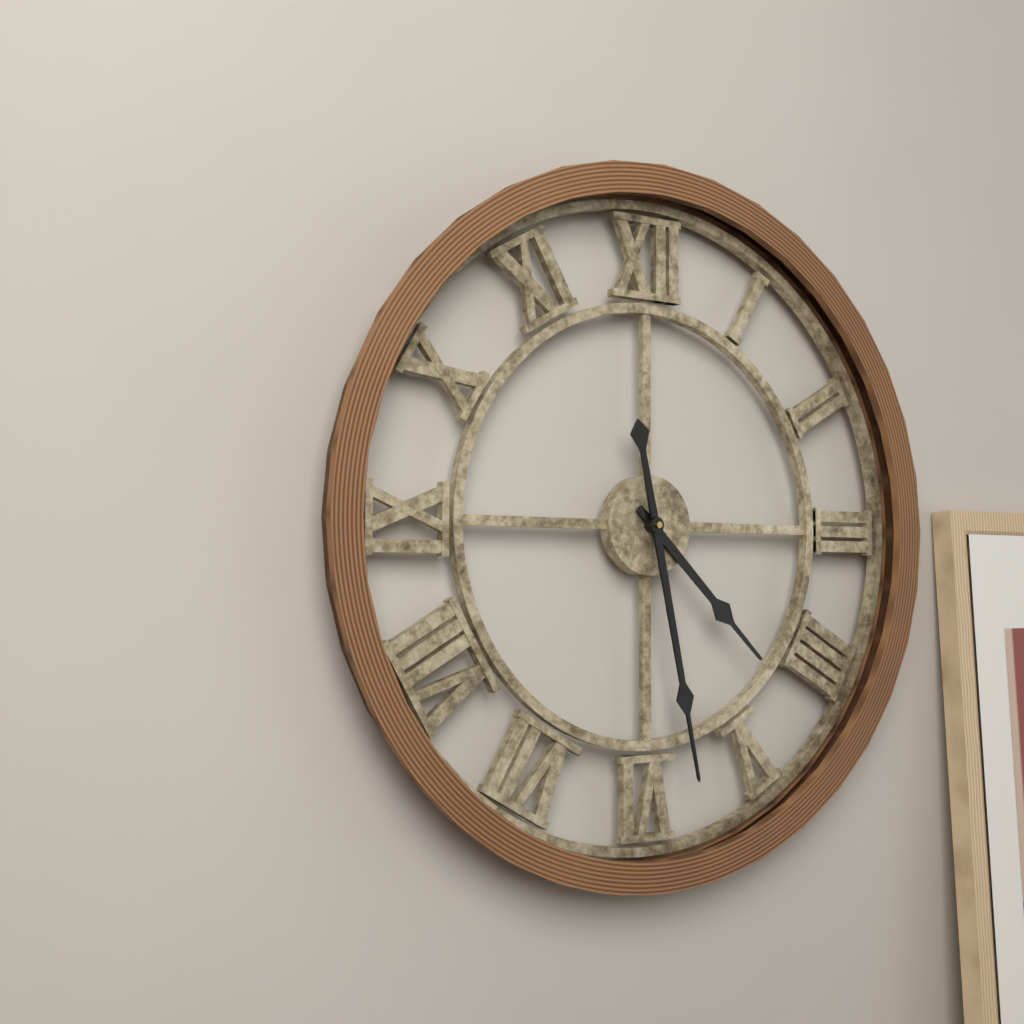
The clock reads 4,28
